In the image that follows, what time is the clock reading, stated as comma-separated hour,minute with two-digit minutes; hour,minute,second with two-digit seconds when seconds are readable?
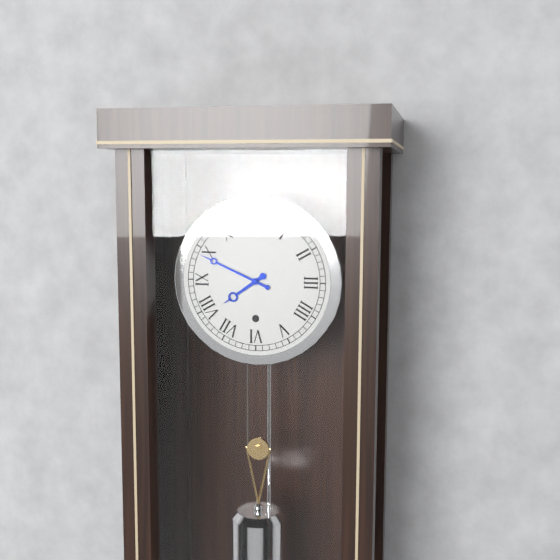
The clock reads 7,49
